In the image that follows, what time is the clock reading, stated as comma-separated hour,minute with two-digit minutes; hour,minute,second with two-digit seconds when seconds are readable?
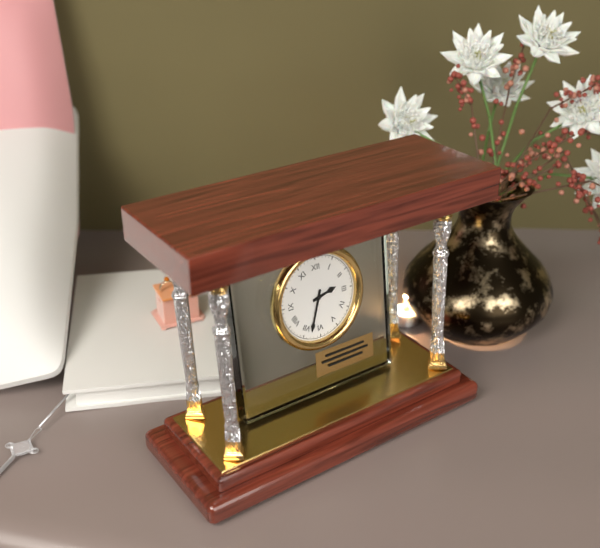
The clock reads 2,33
